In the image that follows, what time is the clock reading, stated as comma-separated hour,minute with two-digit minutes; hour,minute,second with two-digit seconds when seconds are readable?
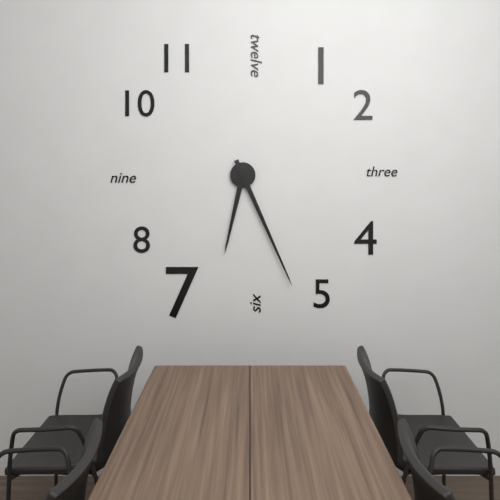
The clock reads 6,26
